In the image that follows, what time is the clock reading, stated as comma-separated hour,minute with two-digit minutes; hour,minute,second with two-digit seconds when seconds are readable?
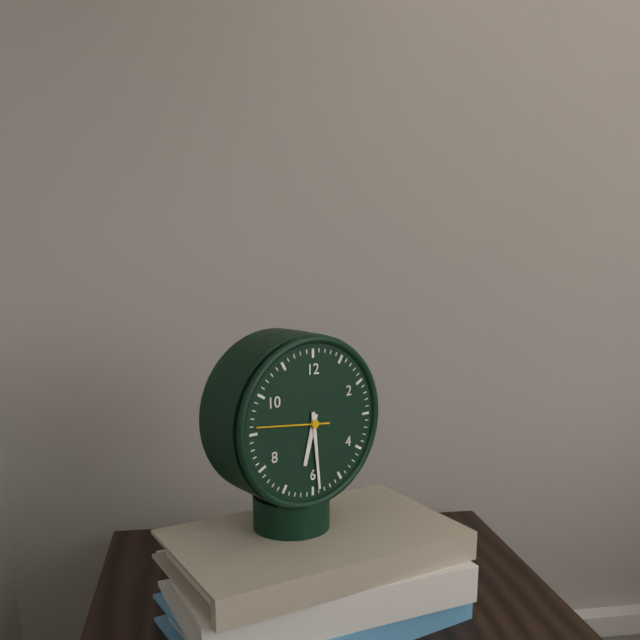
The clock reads 6,29,46
